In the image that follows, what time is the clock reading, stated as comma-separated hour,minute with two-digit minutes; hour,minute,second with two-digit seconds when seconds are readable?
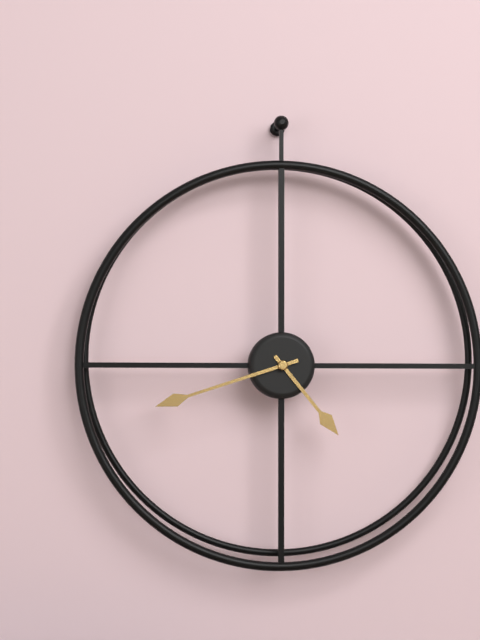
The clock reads 4,42
